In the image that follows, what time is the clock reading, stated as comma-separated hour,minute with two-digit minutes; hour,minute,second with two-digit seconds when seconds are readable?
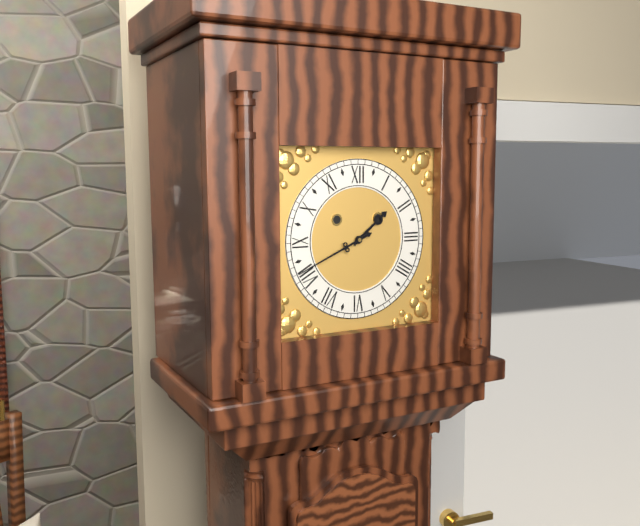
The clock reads 1,41
